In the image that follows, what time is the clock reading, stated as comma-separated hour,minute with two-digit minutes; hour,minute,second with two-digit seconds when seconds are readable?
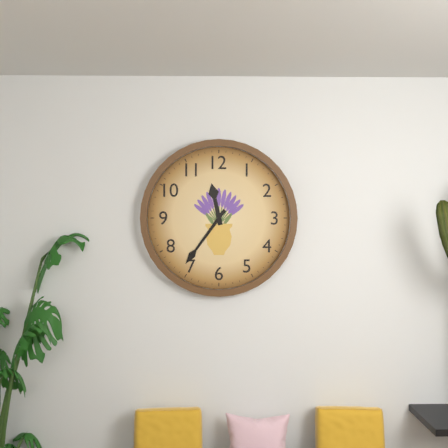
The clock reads 11,36
